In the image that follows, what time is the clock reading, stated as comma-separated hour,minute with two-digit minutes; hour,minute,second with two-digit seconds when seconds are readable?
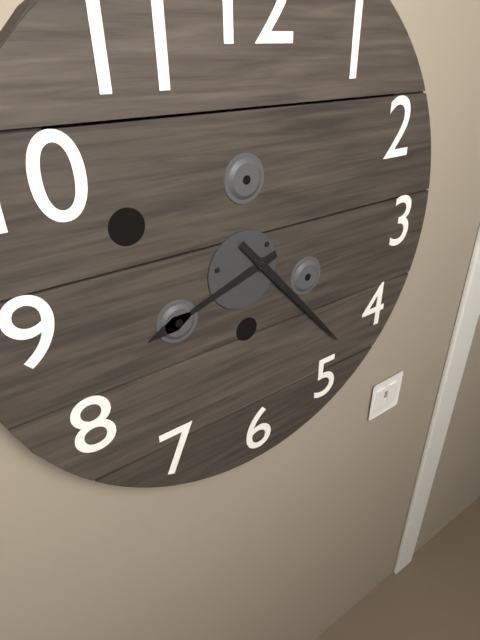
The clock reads 8,23
